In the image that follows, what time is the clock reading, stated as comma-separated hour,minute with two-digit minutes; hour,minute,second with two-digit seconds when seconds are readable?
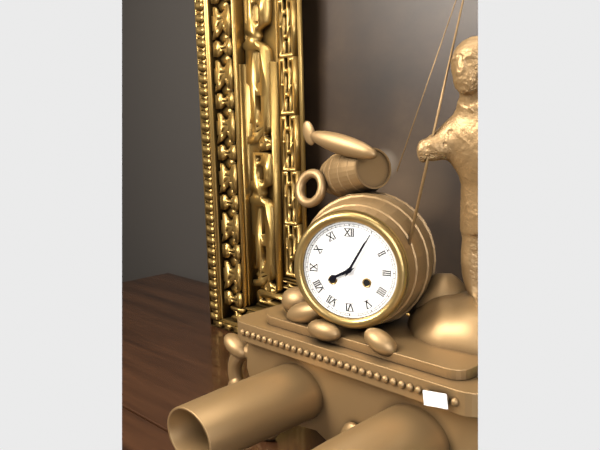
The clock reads 8,05
